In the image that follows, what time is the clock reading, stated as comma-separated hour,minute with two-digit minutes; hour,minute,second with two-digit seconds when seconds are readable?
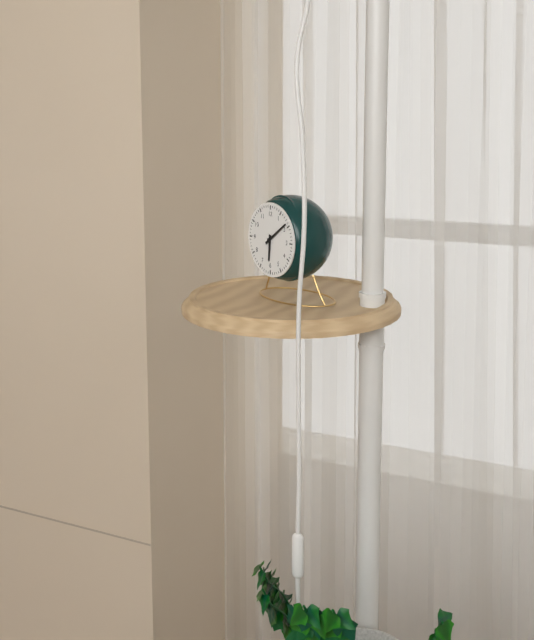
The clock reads 6,09
